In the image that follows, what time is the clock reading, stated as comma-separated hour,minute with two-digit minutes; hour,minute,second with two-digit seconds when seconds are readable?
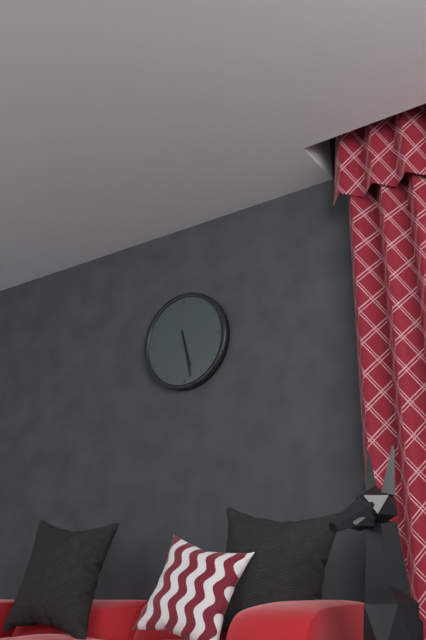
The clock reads 5,28
